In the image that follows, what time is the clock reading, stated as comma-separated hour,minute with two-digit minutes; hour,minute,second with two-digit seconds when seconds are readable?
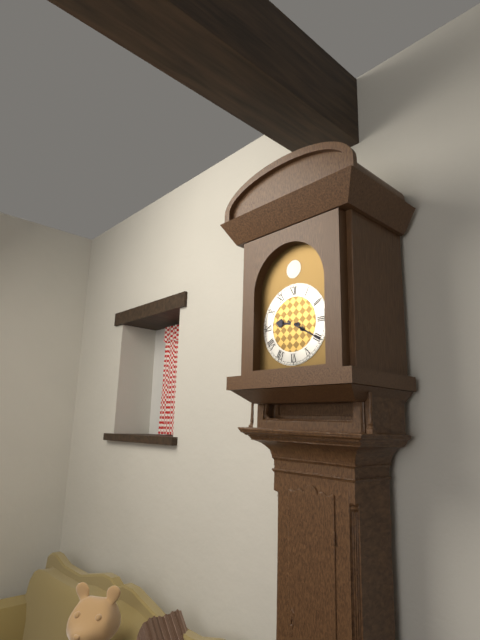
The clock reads 9,20
